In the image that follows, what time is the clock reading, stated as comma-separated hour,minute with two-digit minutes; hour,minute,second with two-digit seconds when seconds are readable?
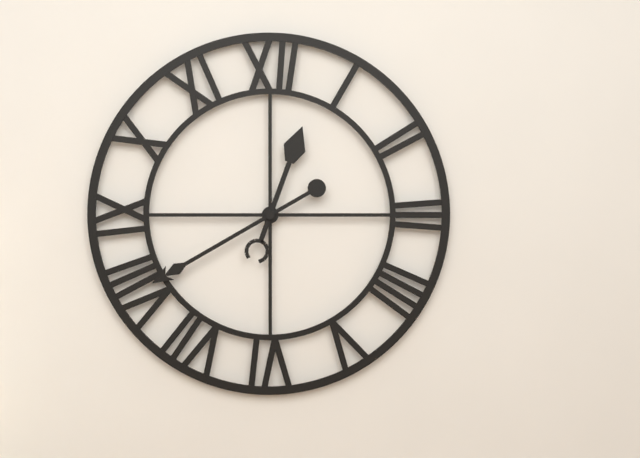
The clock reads 12,40
